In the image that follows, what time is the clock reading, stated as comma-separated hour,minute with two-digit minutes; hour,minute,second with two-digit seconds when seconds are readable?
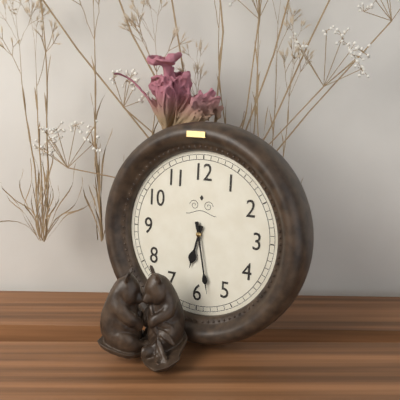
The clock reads 6,28
